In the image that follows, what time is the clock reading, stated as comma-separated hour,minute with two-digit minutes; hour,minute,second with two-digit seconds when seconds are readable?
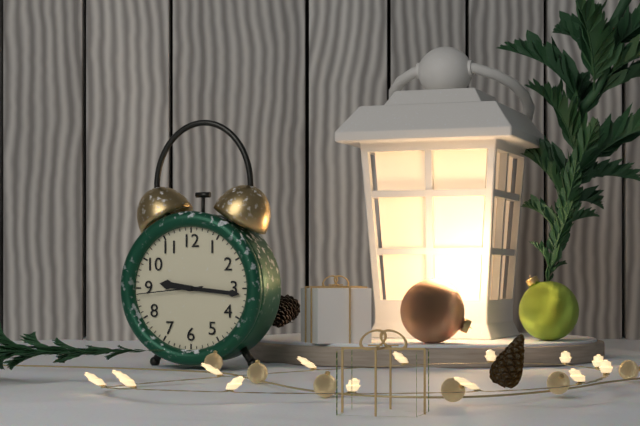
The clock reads 9,16,44
